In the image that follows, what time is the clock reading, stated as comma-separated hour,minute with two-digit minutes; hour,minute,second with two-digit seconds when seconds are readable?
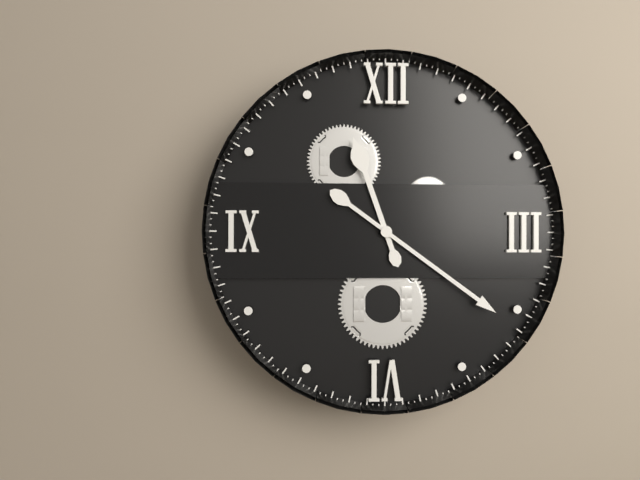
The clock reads 11,21
